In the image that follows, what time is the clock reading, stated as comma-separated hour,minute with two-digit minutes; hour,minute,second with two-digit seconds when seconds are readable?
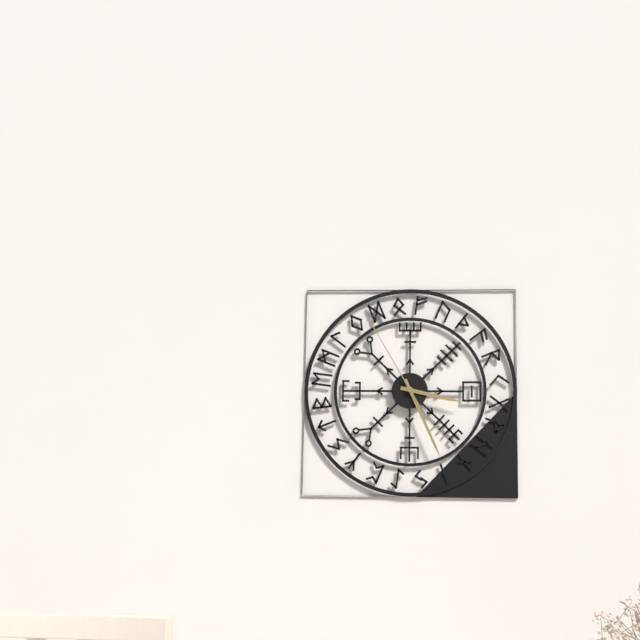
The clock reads 3,26,55
